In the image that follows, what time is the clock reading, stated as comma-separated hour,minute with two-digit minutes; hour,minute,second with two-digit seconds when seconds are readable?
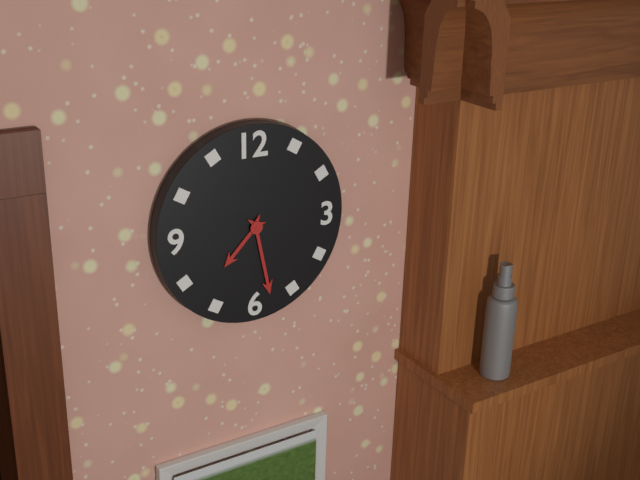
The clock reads 7,28
